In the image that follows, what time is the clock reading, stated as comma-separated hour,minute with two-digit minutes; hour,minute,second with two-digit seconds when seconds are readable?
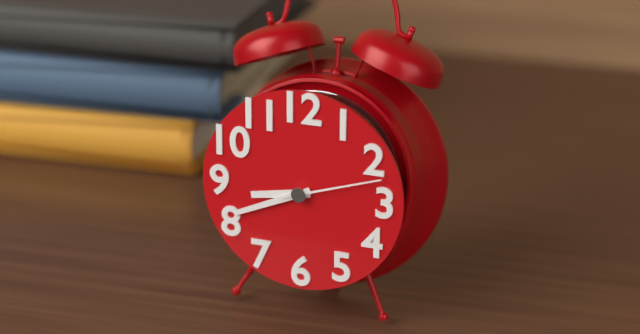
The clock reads 8,41,12
